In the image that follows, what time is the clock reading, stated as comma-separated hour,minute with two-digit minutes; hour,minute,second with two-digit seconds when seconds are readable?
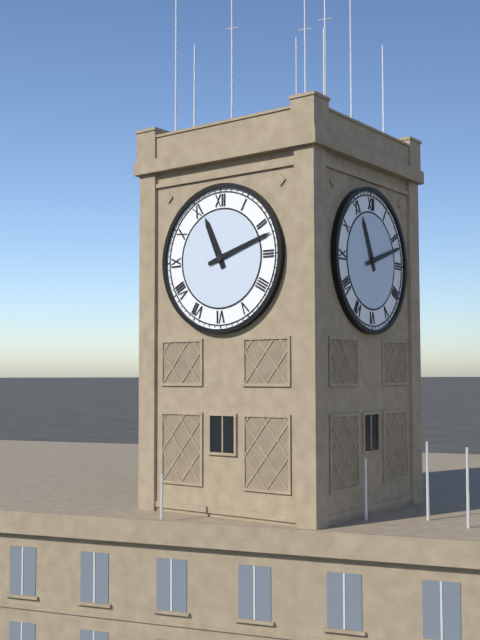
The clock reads 11,12
